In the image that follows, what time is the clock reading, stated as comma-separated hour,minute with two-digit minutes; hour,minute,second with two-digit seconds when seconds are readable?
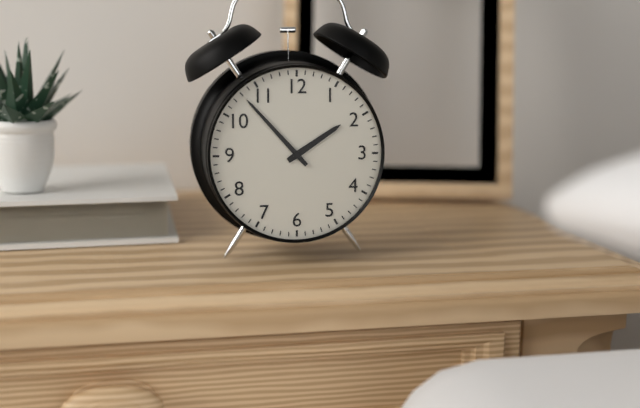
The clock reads 1,53
